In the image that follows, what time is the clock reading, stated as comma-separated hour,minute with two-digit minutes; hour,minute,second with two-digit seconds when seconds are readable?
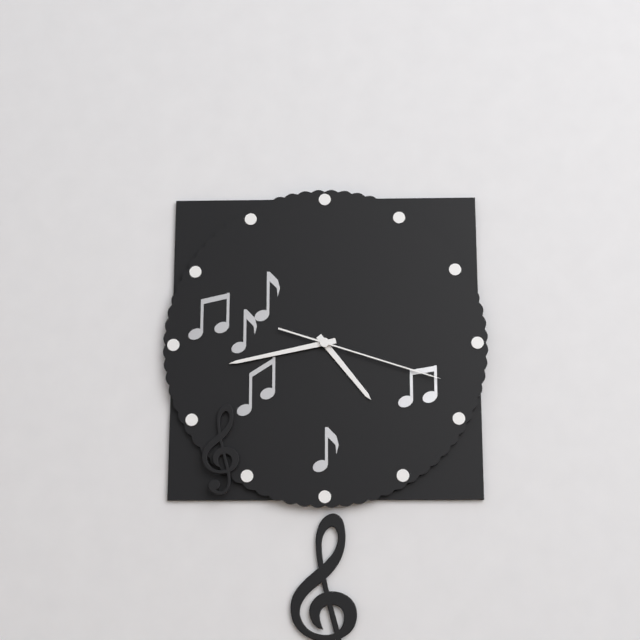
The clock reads 4,43,18
